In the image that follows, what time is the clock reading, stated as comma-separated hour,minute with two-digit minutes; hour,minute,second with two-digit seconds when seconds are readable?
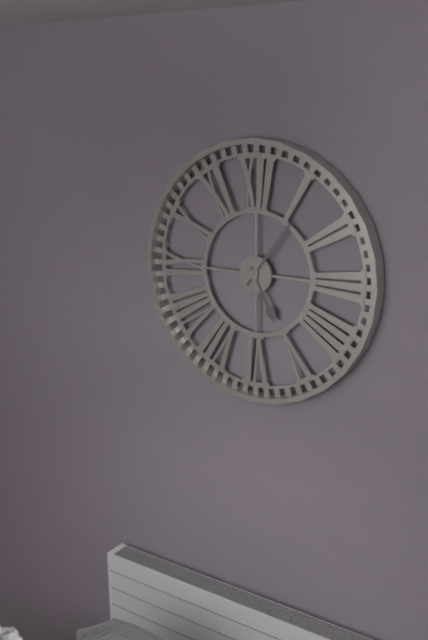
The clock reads 5,06
